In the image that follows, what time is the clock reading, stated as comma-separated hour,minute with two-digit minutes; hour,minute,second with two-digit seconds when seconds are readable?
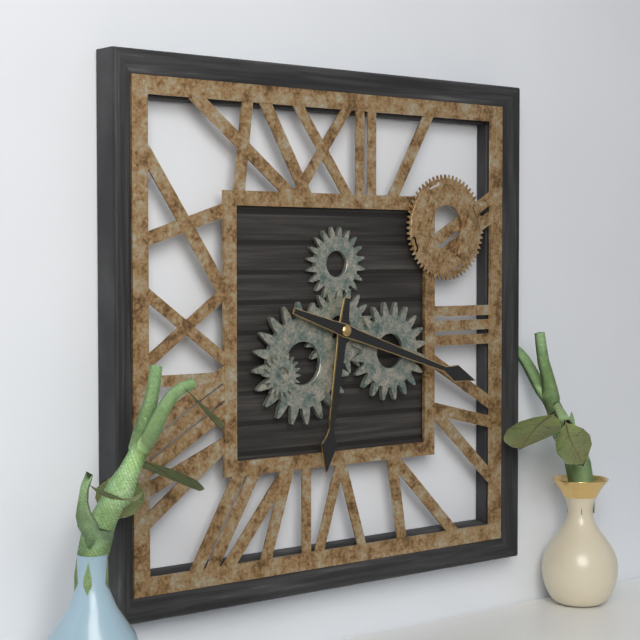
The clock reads 6,18
